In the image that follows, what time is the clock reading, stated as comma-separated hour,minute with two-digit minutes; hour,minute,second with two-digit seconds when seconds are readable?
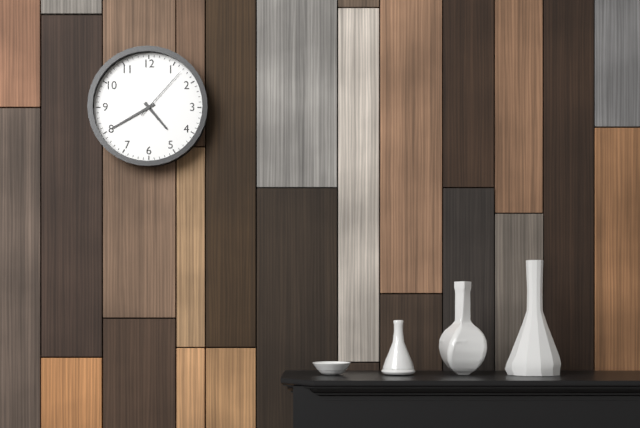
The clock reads 4,40,07
